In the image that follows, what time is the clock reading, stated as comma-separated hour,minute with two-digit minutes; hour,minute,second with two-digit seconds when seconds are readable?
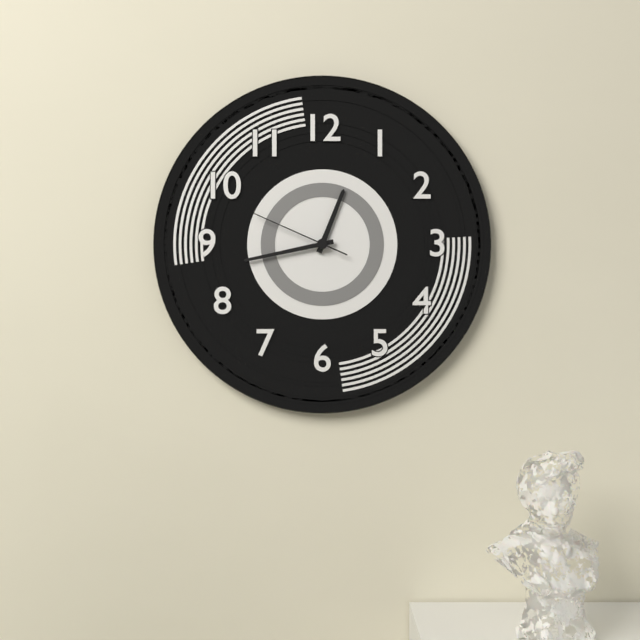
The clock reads 12,43,49
